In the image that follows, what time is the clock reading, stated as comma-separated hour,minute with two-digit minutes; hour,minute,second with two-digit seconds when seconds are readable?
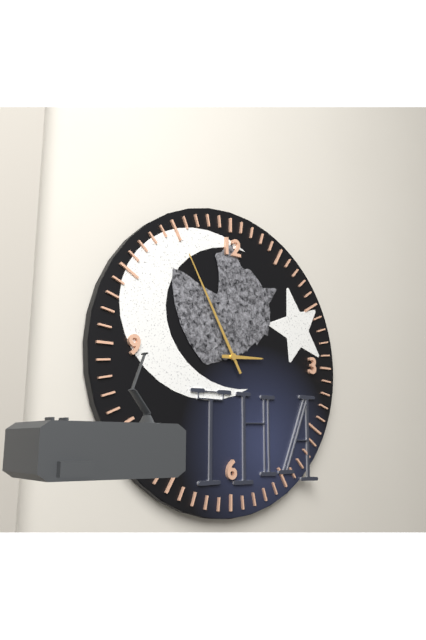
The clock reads 2,55
